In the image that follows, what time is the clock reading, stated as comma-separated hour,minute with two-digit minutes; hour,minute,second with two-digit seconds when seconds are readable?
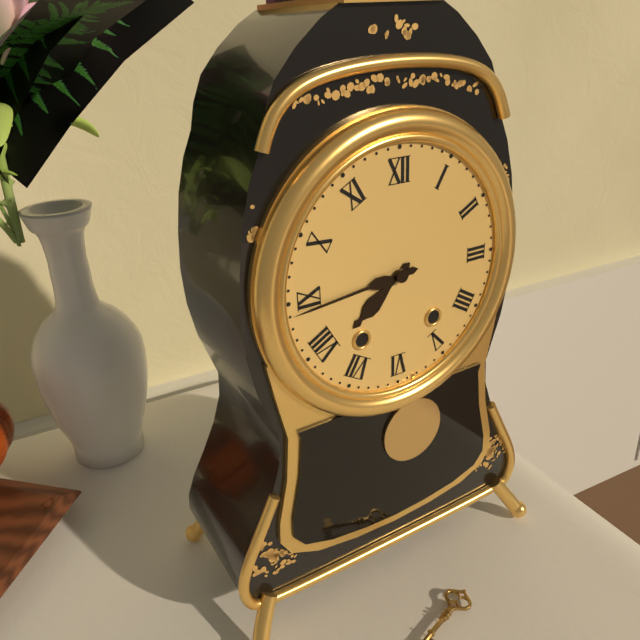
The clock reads 7,44
